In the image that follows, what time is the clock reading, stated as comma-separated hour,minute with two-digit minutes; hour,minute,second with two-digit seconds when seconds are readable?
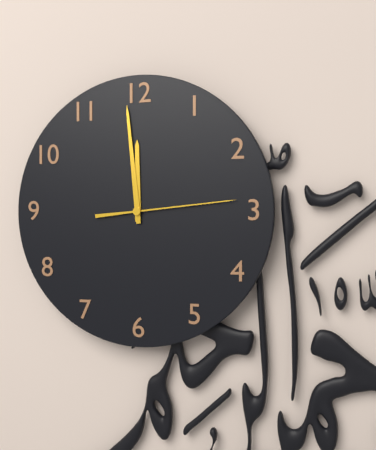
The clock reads 11,59,14
